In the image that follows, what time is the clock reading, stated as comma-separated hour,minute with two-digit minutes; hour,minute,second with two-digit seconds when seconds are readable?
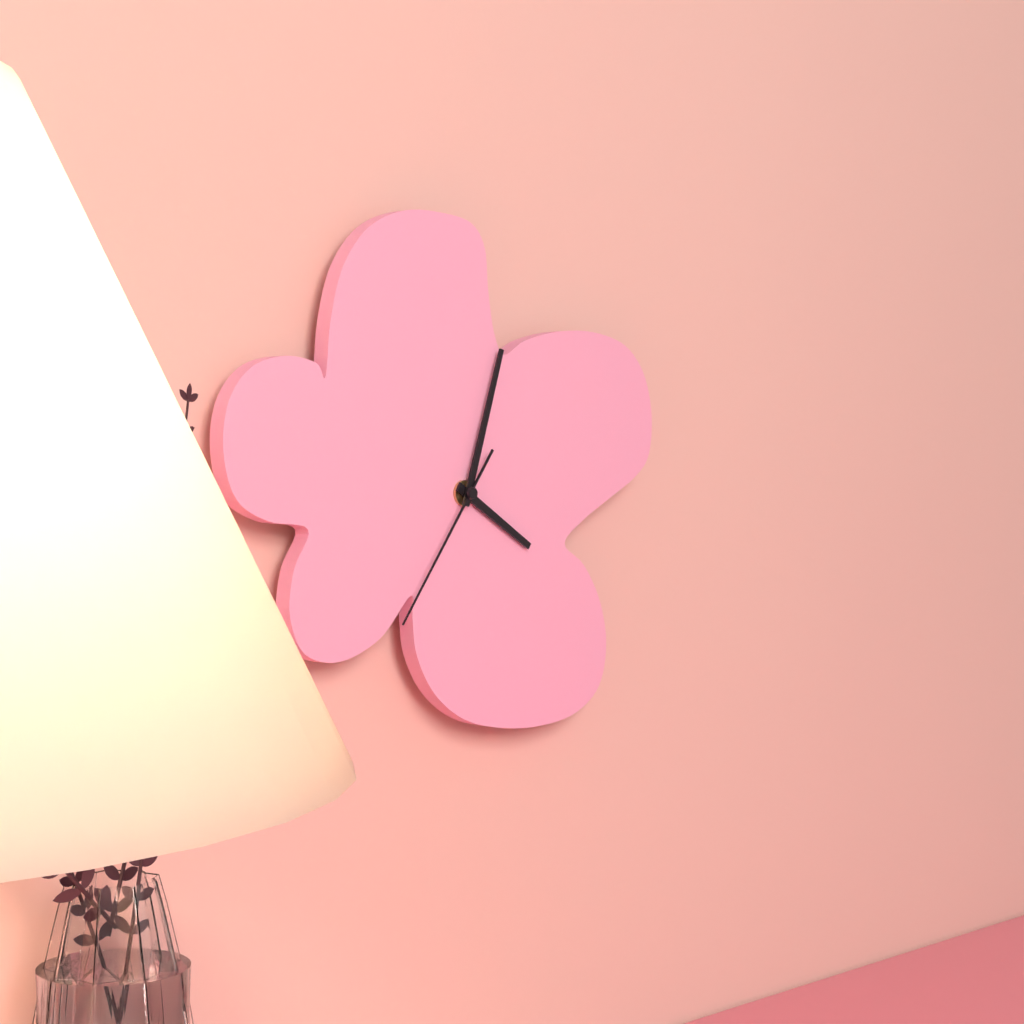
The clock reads 4,03,36
